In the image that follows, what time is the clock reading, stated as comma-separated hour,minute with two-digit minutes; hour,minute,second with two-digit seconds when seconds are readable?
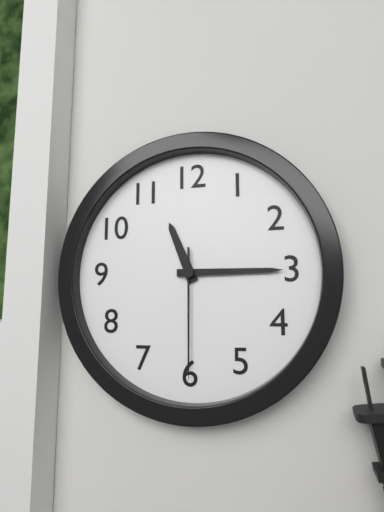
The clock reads 11,15,30
